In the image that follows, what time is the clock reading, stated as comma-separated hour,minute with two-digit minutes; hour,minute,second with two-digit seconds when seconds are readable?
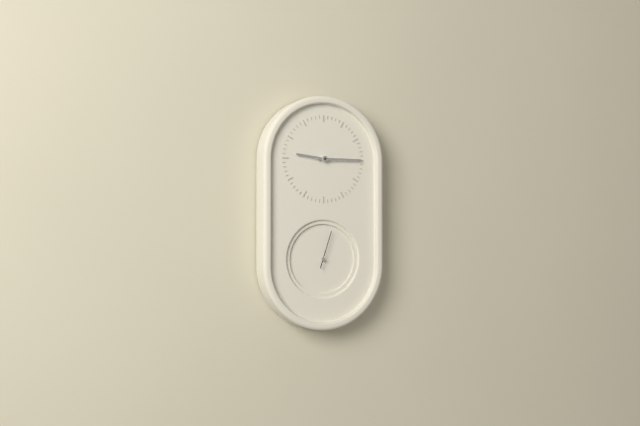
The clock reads 9,15
